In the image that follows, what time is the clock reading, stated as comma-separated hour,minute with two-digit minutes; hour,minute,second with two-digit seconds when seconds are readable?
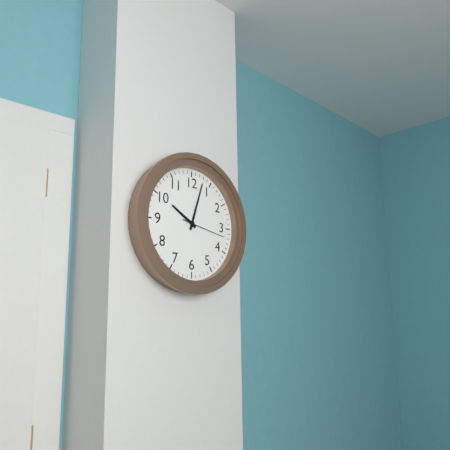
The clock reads 10,03
